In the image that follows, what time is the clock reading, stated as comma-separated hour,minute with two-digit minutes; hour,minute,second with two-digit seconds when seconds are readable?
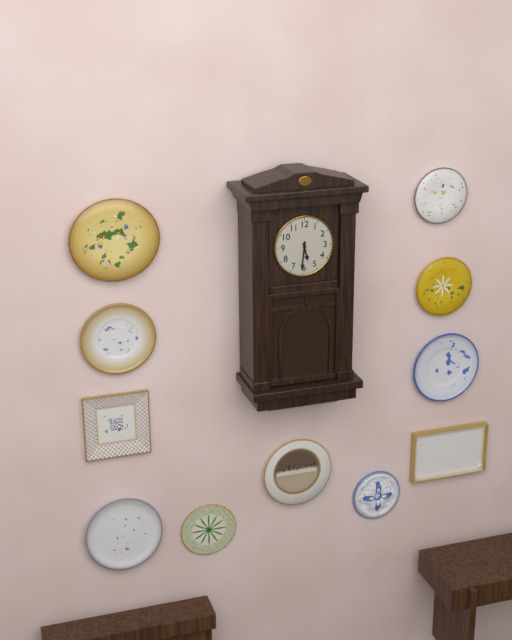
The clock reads 5,31
